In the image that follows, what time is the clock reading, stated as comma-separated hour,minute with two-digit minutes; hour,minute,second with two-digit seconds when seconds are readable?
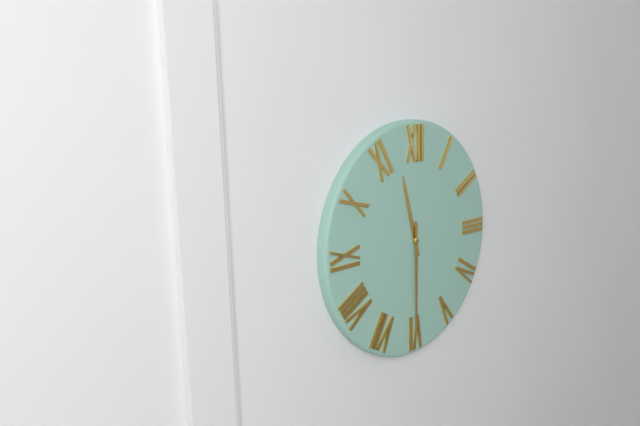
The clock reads 11,30
